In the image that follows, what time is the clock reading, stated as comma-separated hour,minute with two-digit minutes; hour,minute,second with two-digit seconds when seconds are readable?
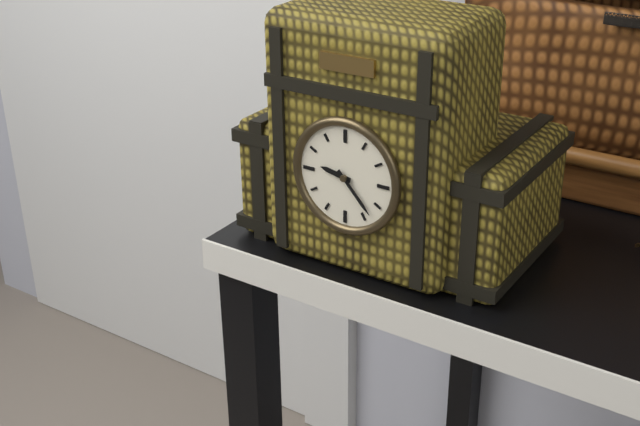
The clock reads 9,23
